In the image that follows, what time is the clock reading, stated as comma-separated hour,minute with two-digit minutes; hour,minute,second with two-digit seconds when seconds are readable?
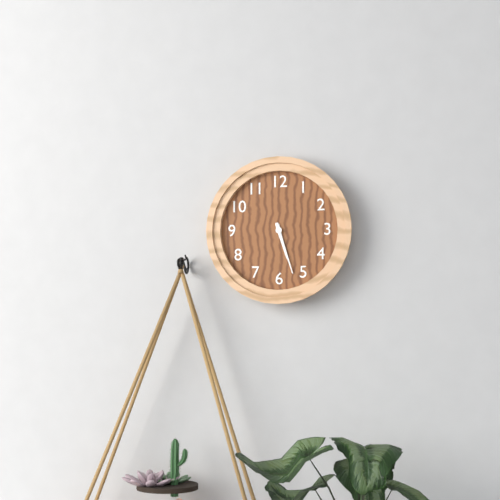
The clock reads 5,27
